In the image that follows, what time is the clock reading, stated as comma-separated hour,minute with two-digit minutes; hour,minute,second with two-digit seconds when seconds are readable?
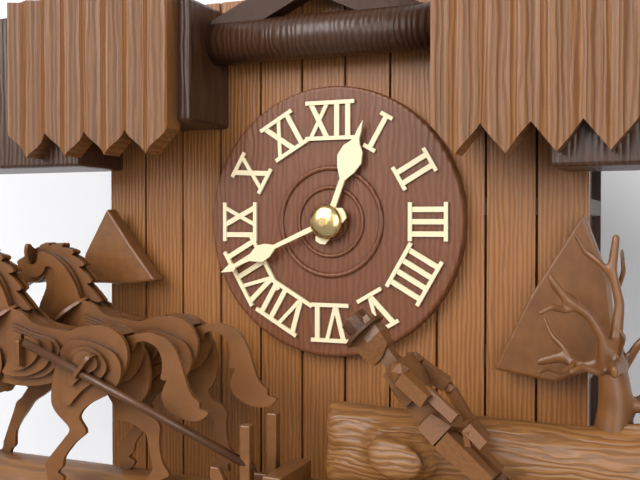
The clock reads 12,41
